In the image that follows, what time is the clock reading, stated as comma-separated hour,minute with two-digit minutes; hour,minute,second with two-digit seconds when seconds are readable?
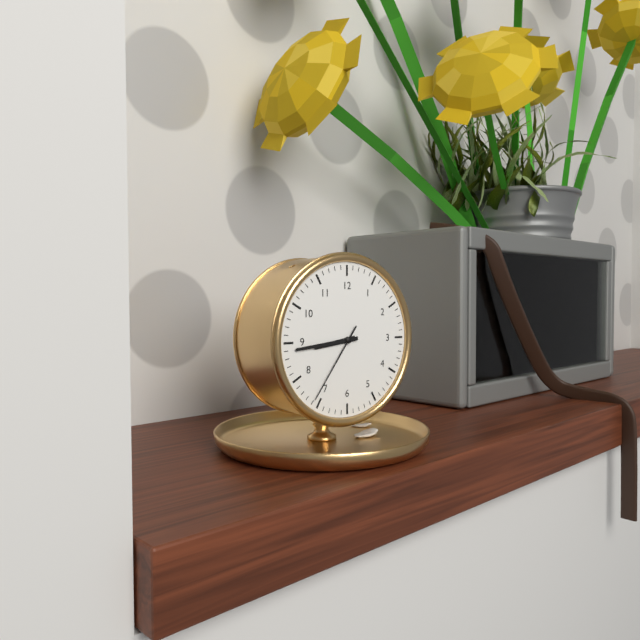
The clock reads 8,44,36
